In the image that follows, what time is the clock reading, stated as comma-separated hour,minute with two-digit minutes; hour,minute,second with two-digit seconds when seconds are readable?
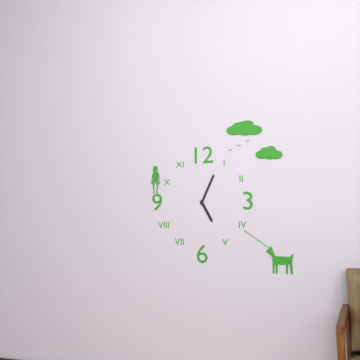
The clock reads 5,04
